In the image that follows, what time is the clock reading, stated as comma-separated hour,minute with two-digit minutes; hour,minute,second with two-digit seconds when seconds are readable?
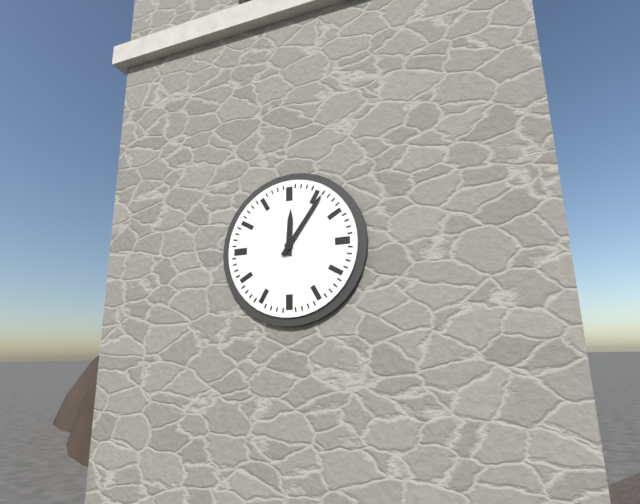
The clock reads 12,06
